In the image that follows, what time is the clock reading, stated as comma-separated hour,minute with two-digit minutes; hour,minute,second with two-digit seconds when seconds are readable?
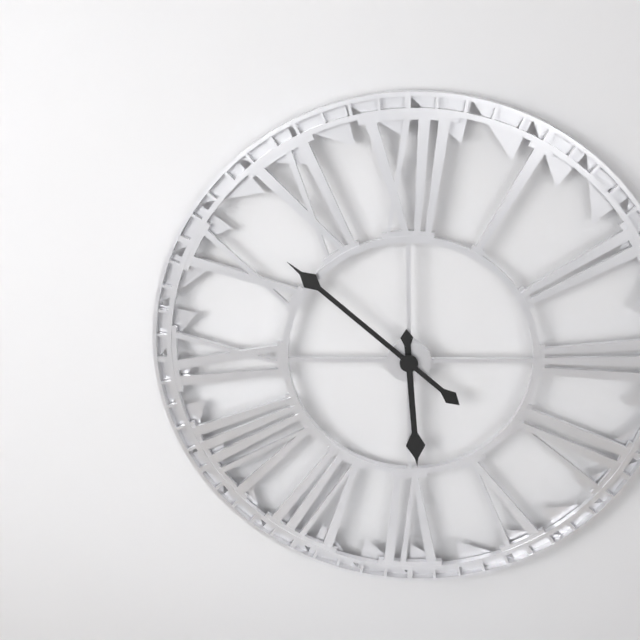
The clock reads 5,52
